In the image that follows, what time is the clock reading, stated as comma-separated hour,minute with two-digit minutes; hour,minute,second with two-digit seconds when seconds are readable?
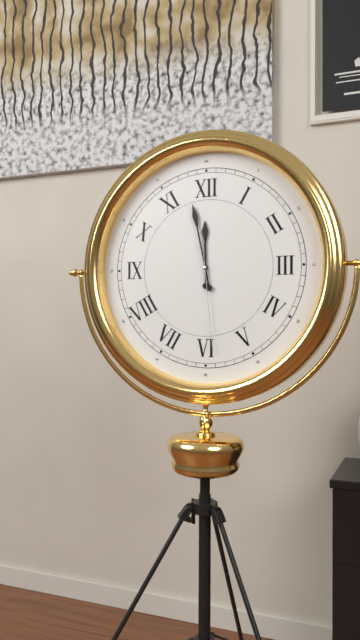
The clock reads 11,58,29
